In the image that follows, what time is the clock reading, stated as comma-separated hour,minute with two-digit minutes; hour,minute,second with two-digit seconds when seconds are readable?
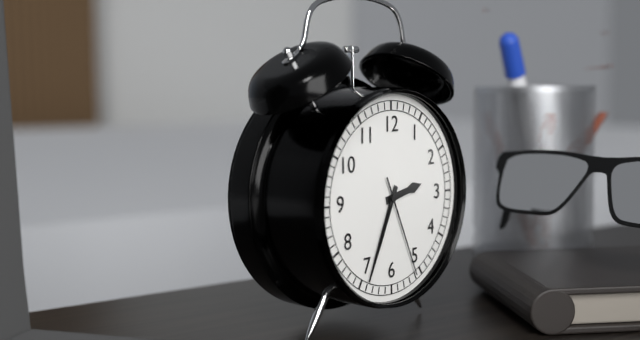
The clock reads 2,34,26
